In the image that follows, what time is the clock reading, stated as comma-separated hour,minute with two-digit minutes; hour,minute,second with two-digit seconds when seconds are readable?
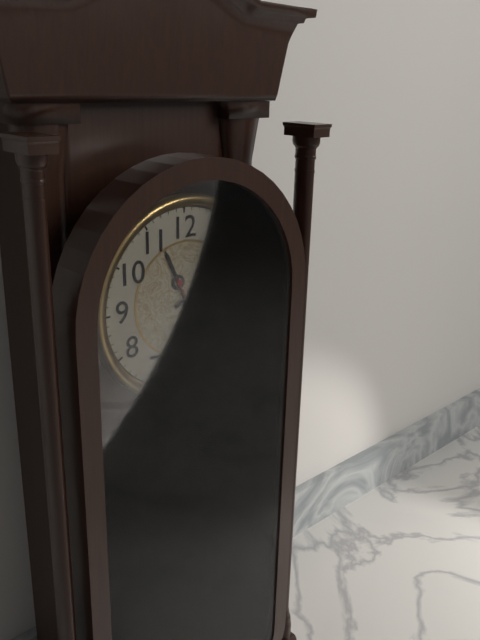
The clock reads 11,11,26
